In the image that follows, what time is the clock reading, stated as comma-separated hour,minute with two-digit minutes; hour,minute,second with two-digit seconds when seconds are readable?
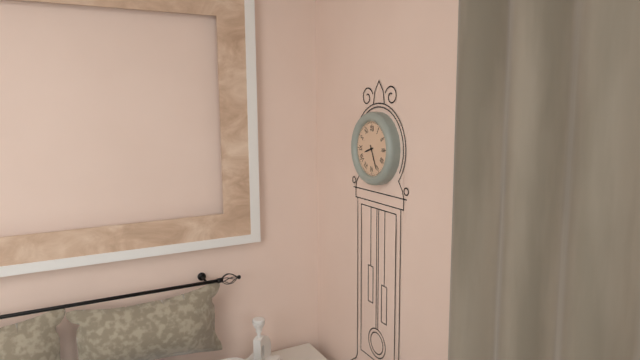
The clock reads 8,26
